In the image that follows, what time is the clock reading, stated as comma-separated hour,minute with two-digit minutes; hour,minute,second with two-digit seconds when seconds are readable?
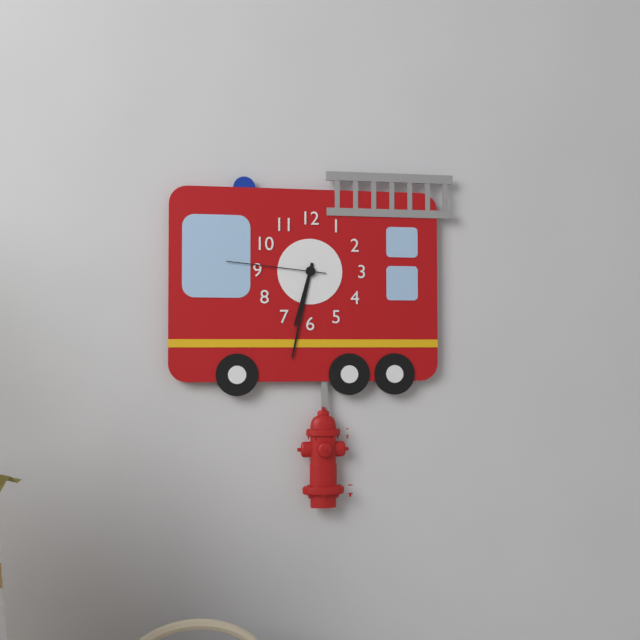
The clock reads 6,32,46
